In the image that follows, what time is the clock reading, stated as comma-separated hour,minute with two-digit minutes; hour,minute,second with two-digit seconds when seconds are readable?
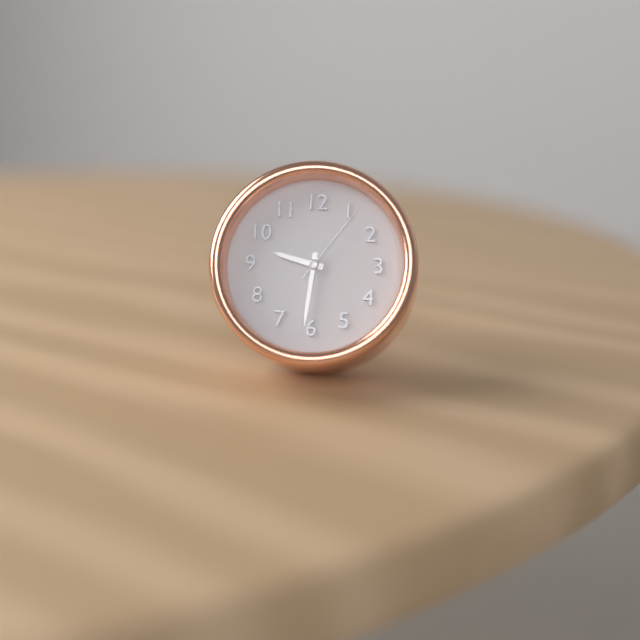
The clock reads 9,31,06
